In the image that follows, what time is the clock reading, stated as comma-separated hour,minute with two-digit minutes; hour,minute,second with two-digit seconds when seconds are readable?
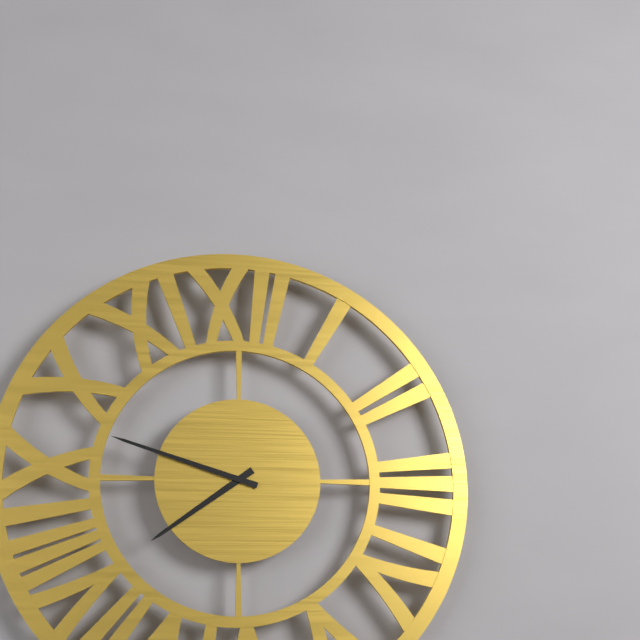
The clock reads 7,48
